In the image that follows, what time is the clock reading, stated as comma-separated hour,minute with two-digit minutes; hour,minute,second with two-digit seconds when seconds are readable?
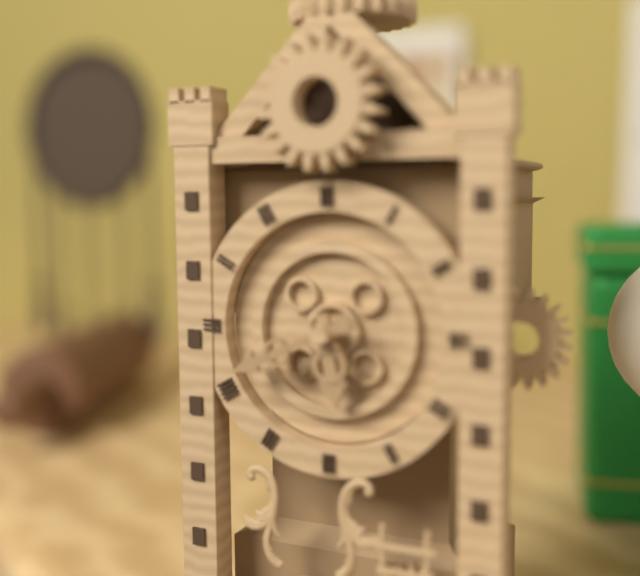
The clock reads 5,41
